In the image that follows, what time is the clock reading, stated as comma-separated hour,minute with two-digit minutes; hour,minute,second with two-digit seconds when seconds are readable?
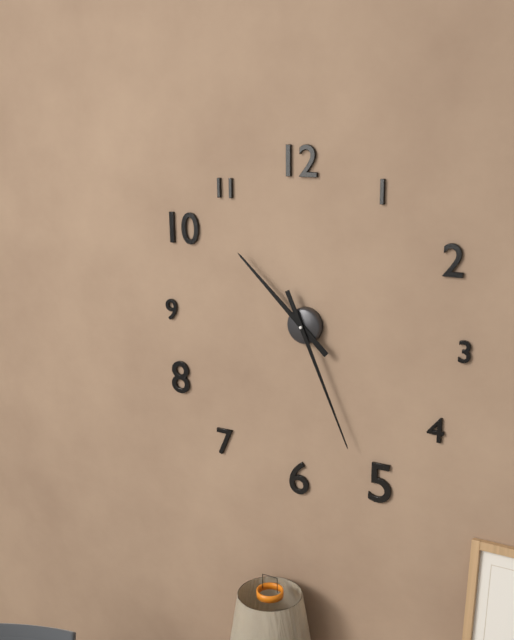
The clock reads 10,26
